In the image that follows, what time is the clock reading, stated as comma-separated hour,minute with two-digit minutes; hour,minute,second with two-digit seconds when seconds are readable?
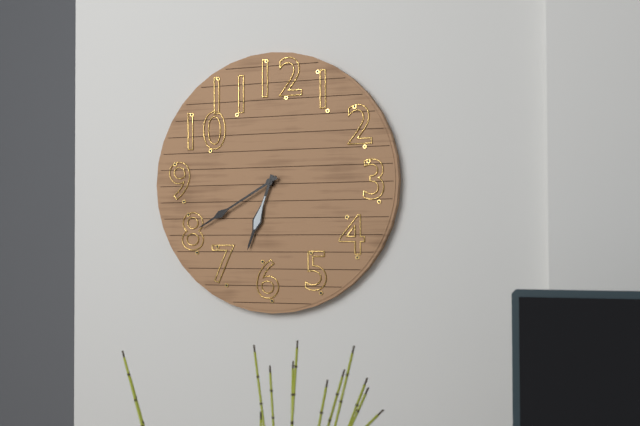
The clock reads 6,40
